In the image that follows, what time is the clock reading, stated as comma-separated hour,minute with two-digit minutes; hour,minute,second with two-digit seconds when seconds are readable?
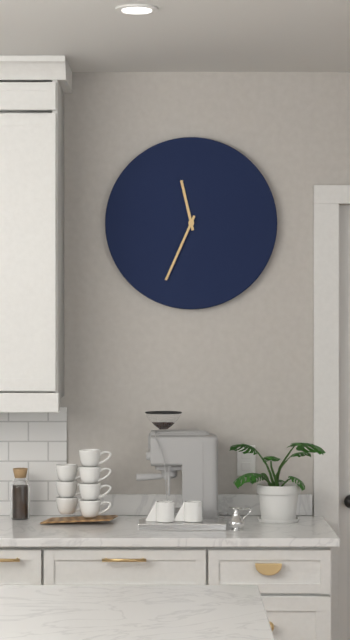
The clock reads 11,34
